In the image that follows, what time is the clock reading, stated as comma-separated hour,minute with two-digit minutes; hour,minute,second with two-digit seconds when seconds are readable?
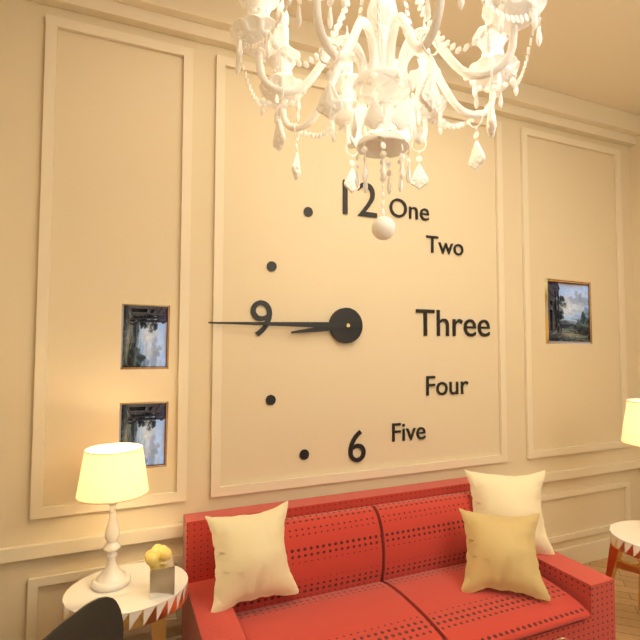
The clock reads 8,45
